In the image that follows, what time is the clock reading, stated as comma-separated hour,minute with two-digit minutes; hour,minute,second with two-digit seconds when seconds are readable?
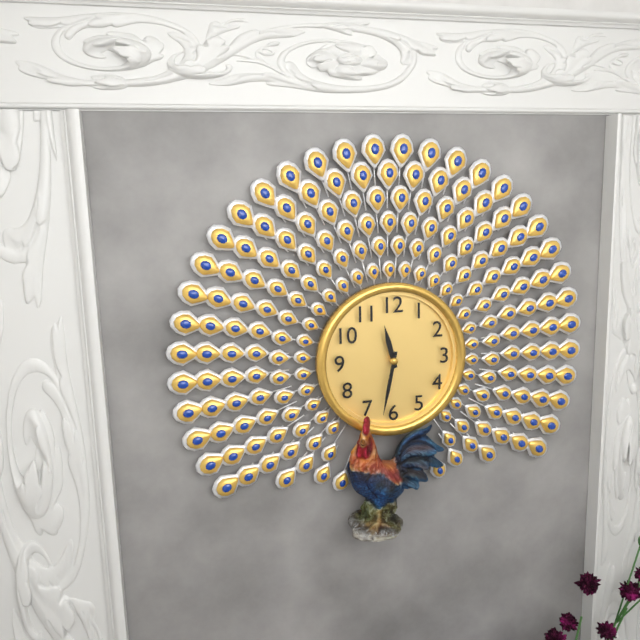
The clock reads 11,32
